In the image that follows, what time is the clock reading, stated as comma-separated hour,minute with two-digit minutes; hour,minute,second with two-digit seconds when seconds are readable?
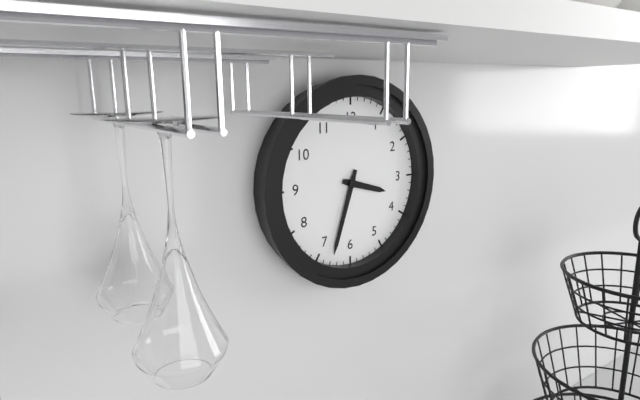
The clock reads 3,33
